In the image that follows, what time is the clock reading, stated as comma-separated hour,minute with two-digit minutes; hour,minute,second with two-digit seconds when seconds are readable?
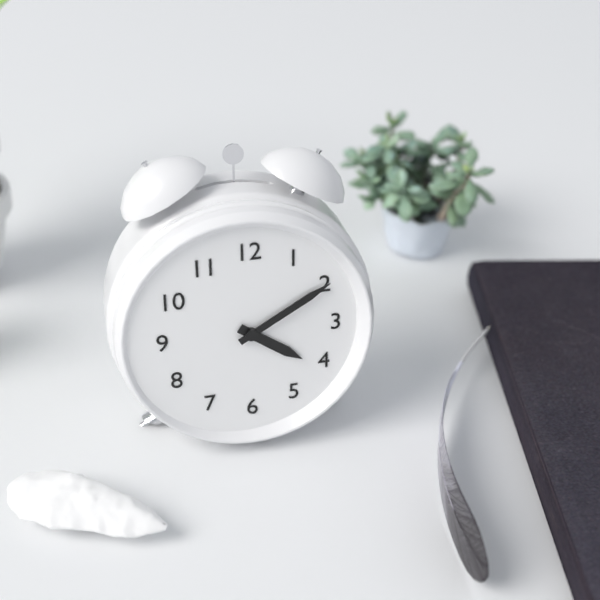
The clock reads 4,10
